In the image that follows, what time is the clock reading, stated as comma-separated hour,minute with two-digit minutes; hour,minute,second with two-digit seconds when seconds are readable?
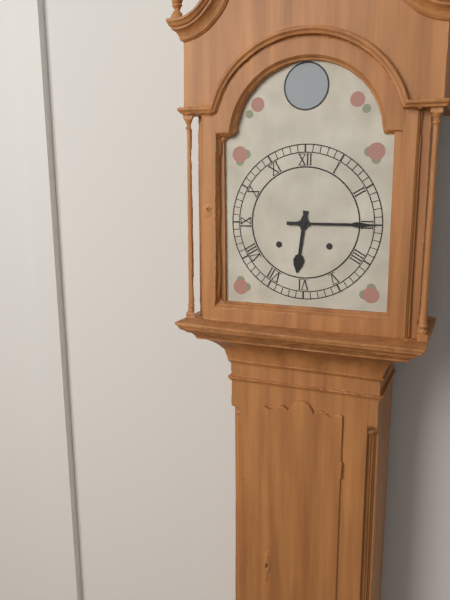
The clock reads 6,15
